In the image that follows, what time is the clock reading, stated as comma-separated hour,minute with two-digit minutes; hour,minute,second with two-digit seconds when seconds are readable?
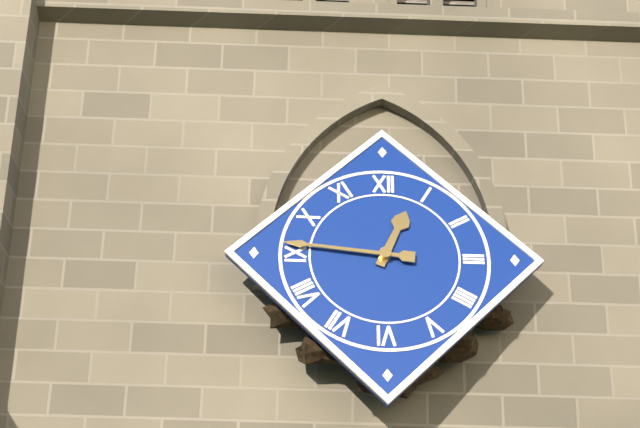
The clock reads 12,46
